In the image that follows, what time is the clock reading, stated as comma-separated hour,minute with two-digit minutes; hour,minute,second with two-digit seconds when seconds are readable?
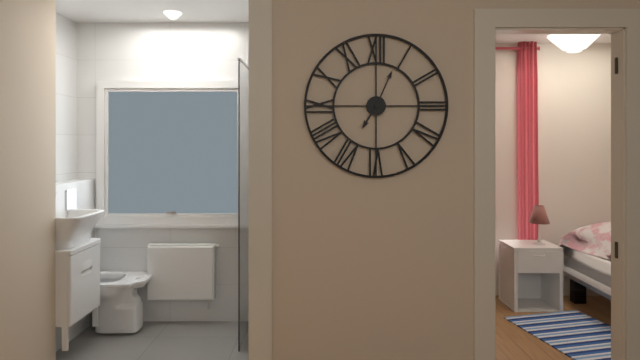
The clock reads 7,04
